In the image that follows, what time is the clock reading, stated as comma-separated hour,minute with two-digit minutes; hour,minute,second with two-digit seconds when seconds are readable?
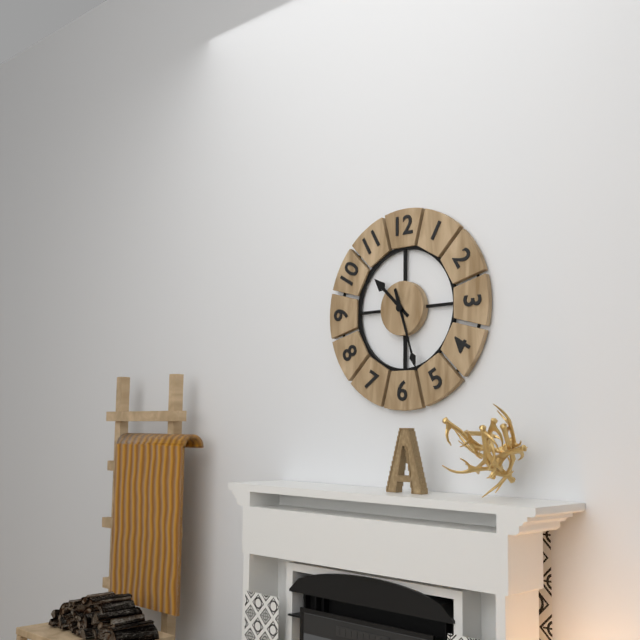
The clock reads 10,27
